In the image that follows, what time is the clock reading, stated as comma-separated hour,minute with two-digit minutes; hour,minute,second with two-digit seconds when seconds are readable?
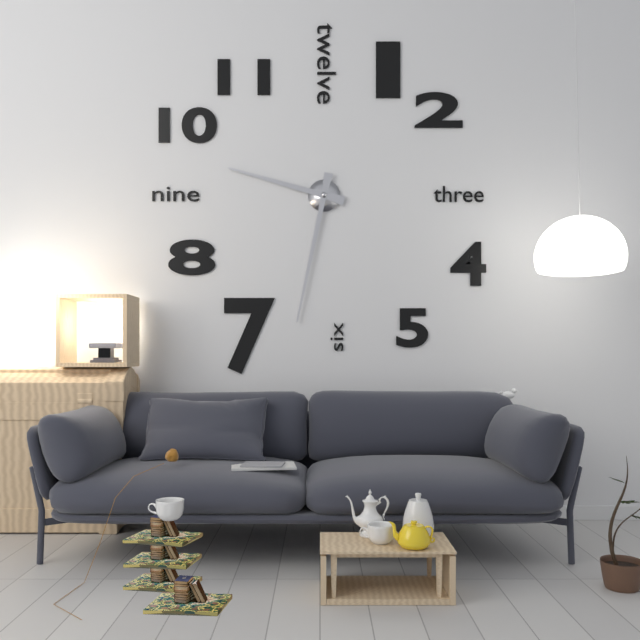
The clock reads 9,32
